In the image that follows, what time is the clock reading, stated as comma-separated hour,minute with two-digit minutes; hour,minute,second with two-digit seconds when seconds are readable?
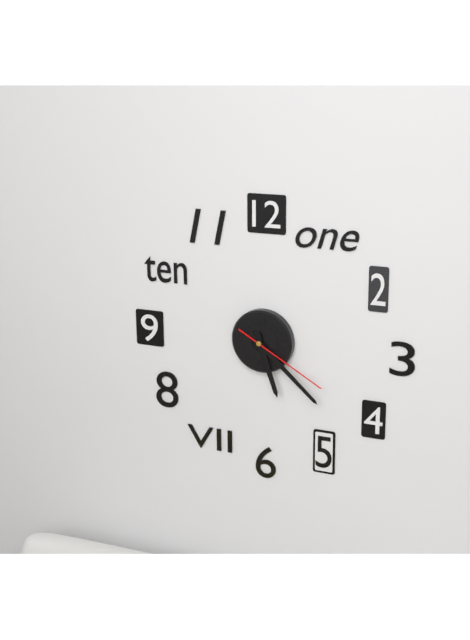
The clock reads 5,22,20
